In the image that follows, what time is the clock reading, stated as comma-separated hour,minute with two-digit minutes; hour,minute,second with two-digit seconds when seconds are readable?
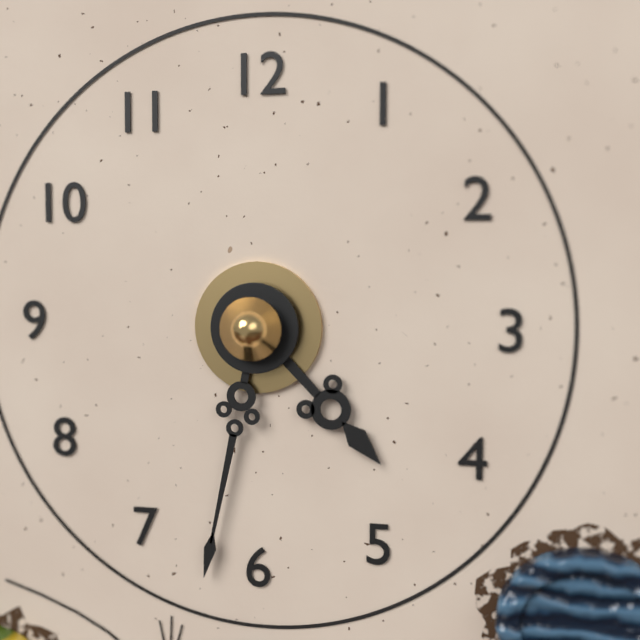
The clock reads 4,32
